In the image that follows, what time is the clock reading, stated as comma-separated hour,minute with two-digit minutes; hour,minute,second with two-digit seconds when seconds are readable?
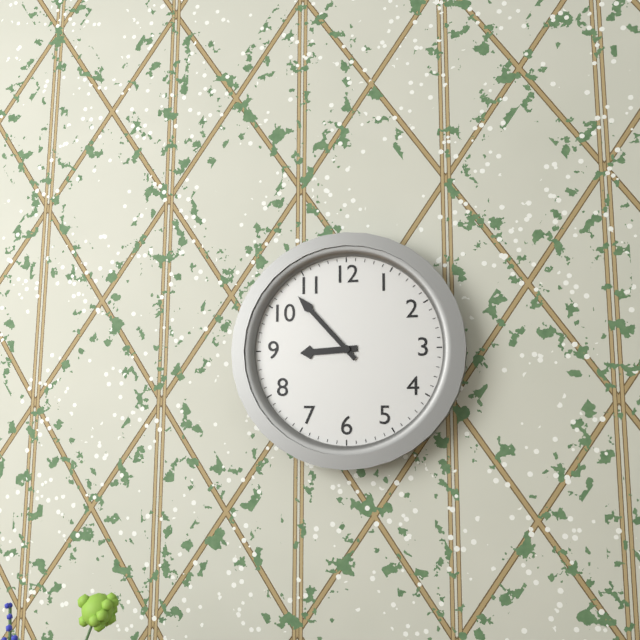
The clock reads 8,53
